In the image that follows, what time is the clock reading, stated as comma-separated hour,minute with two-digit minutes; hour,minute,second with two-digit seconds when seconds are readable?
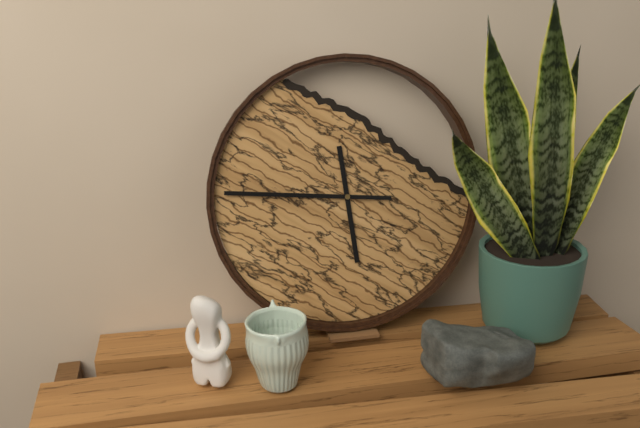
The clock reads 5,46
